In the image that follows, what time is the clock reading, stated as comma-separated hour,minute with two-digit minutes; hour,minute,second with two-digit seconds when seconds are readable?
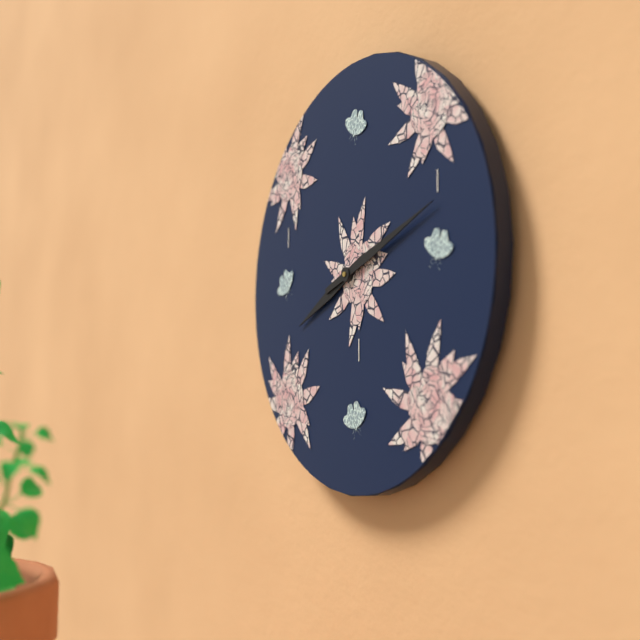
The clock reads 8,12
